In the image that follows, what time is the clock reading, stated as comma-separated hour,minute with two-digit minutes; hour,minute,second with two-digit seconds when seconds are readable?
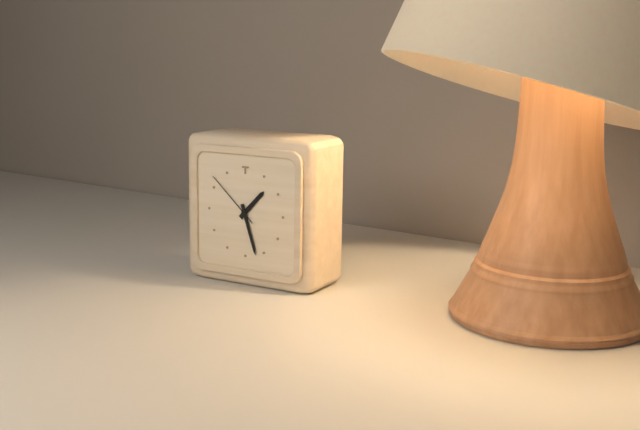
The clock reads 1,27,52
